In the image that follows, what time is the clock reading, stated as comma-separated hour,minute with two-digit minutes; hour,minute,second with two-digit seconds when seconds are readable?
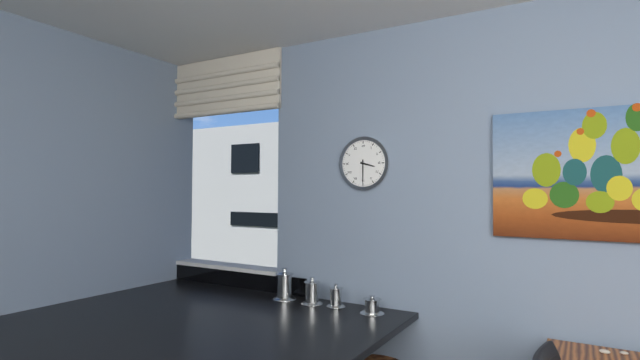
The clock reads 3,30
